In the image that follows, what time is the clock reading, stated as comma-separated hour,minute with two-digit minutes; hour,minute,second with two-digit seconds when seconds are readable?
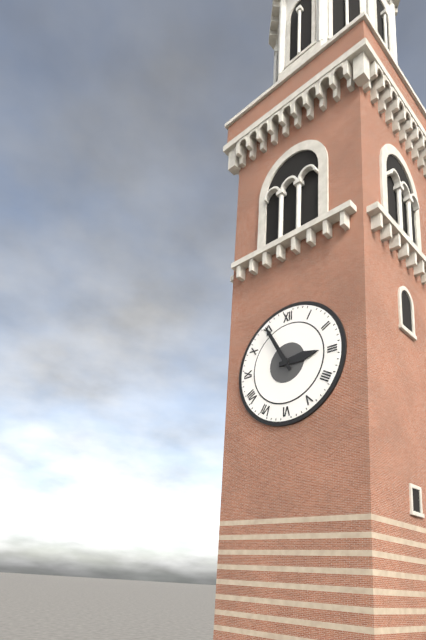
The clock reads 2,55
